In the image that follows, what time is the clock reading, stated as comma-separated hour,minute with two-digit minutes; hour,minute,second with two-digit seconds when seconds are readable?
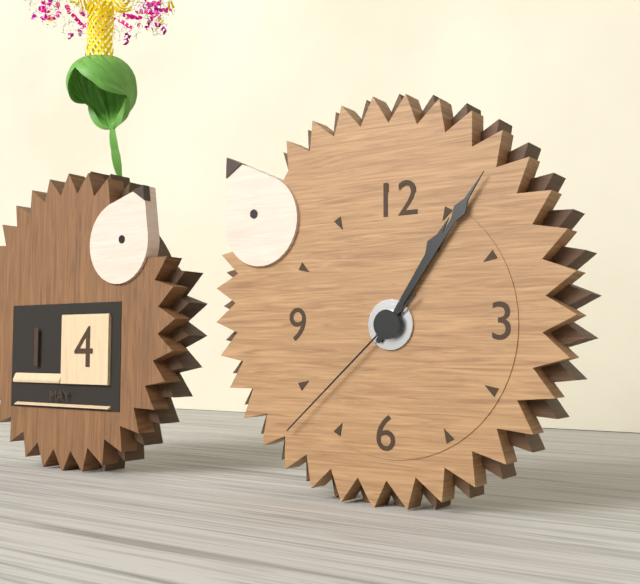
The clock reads 1,06,38
